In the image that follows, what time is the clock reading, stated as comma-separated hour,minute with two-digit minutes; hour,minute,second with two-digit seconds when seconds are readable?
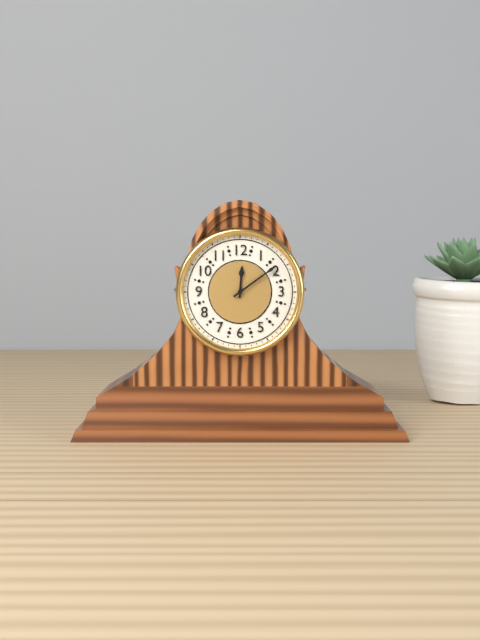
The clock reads 12,09
